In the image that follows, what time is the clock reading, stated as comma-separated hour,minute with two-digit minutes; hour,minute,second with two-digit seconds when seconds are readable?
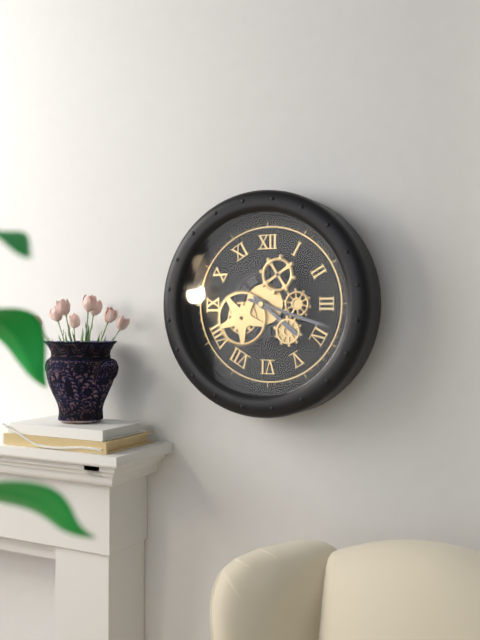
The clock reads 4,18
